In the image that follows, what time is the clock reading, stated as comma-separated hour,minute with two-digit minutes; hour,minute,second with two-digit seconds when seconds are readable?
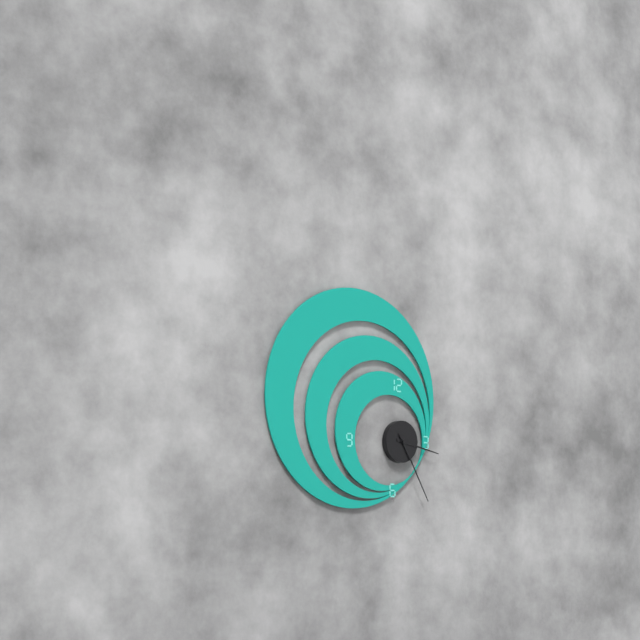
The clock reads 3,25
